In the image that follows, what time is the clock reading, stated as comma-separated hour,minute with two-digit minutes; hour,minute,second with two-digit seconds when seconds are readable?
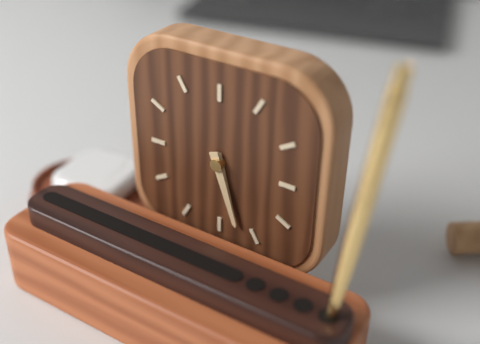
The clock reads 5,27
